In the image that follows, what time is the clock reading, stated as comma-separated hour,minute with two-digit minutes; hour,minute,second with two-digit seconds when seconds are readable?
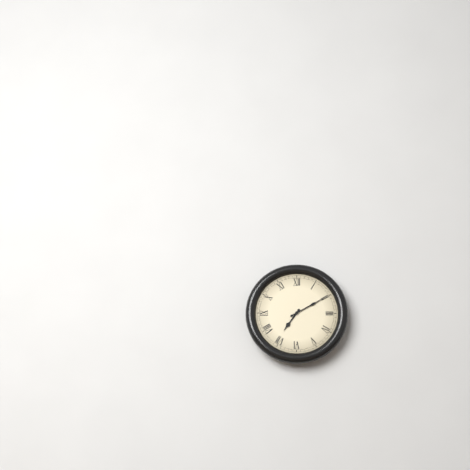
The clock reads 7,10
